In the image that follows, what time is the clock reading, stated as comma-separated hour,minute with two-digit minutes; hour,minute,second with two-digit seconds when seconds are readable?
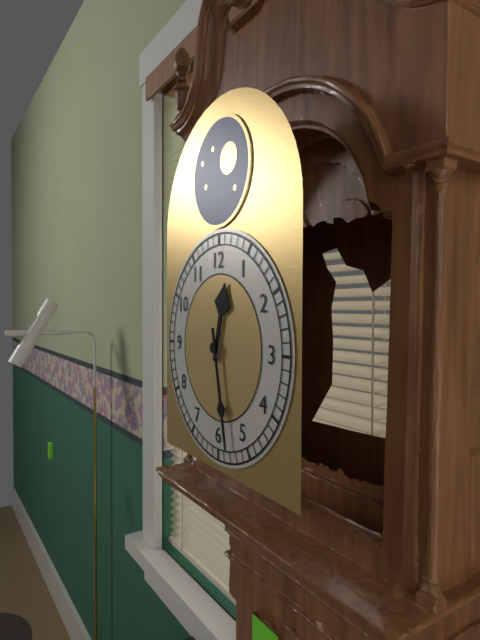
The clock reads 12,28
